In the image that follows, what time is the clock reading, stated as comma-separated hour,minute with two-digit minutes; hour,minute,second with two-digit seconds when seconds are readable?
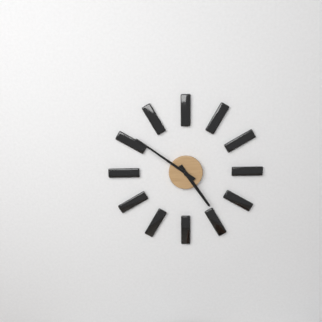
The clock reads 4,51
